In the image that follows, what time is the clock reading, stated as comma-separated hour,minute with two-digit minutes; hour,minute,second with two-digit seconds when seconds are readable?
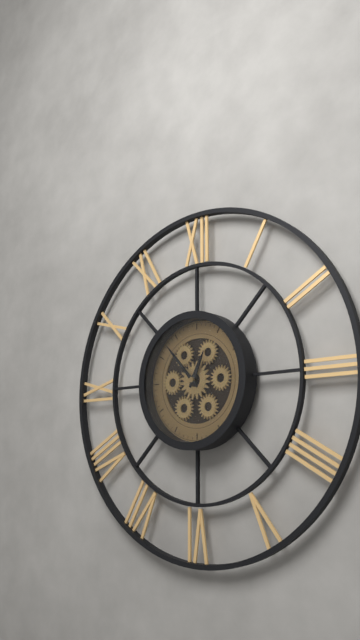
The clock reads 12,53
